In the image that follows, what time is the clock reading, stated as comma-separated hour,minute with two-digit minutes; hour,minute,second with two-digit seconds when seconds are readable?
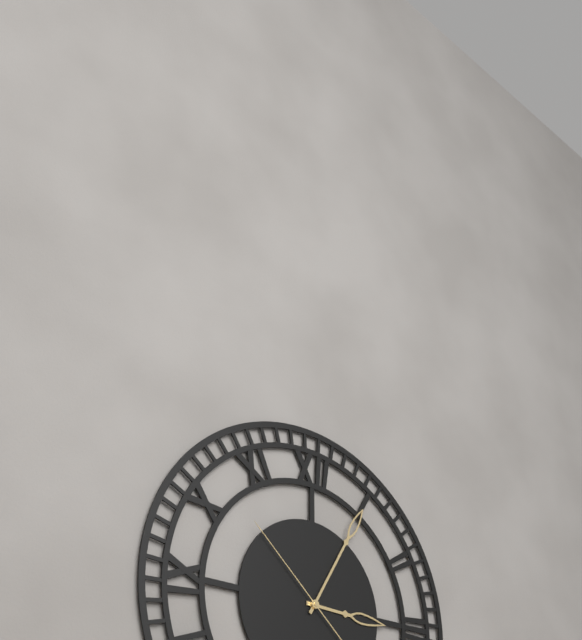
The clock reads 3,05,52
